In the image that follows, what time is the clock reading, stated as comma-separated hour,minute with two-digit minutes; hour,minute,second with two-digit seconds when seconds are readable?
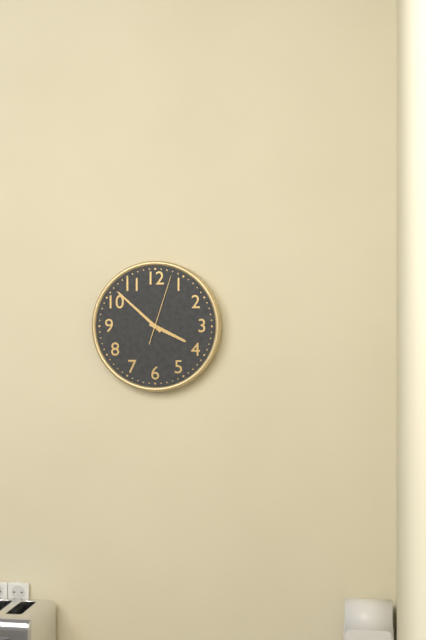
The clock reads 3,52,03
